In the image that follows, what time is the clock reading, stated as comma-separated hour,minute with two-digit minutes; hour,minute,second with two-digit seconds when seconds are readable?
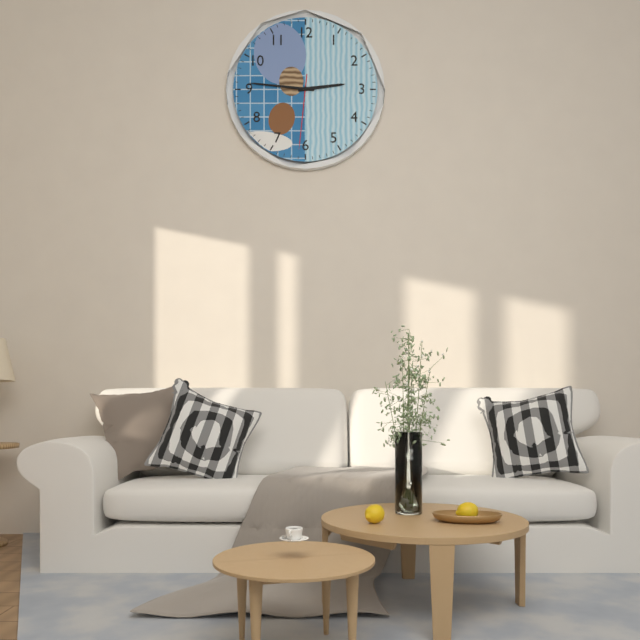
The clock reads 2,46,31
